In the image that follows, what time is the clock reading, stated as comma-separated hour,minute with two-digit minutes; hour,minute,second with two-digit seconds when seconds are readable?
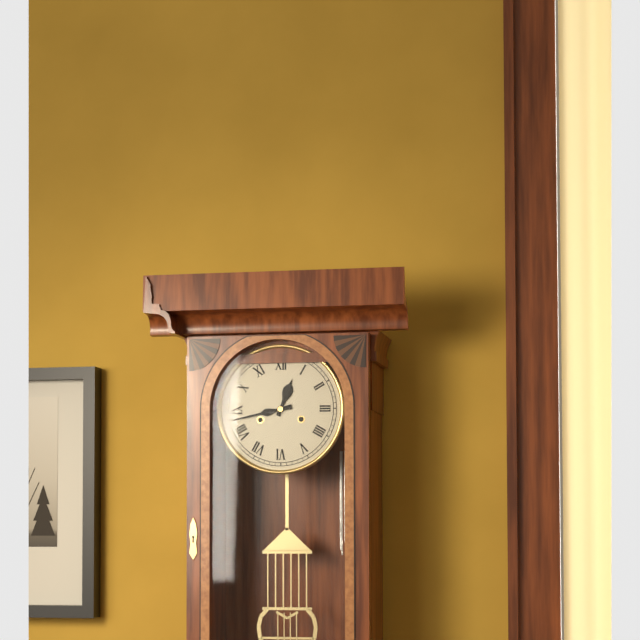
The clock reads 12,43
